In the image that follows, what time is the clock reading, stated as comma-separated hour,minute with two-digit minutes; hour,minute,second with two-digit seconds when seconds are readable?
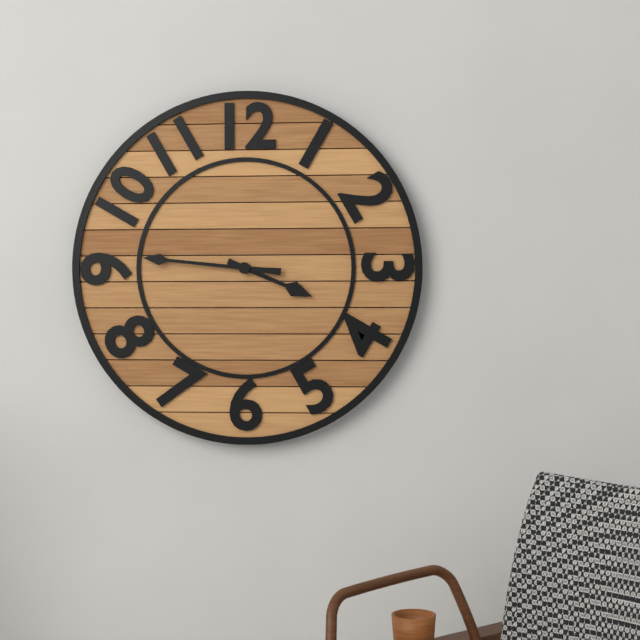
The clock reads 3,46
